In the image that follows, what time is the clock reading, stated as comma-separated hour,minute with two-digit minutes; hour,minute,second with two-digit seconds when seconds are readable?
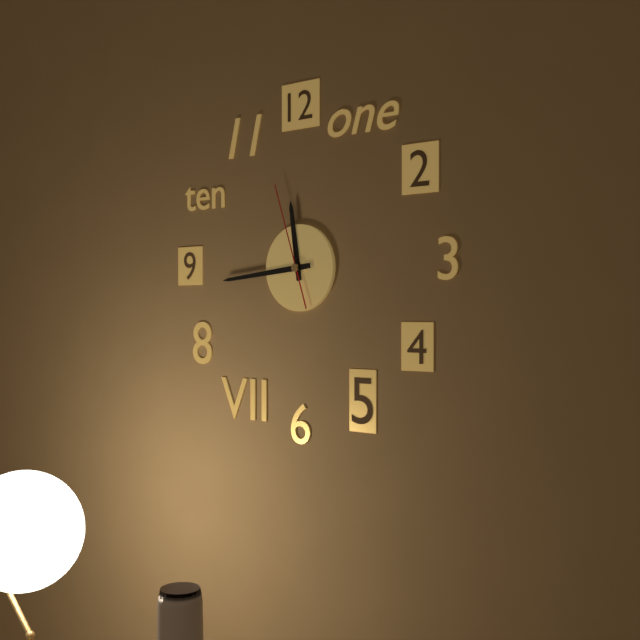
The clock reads 11,44,57
